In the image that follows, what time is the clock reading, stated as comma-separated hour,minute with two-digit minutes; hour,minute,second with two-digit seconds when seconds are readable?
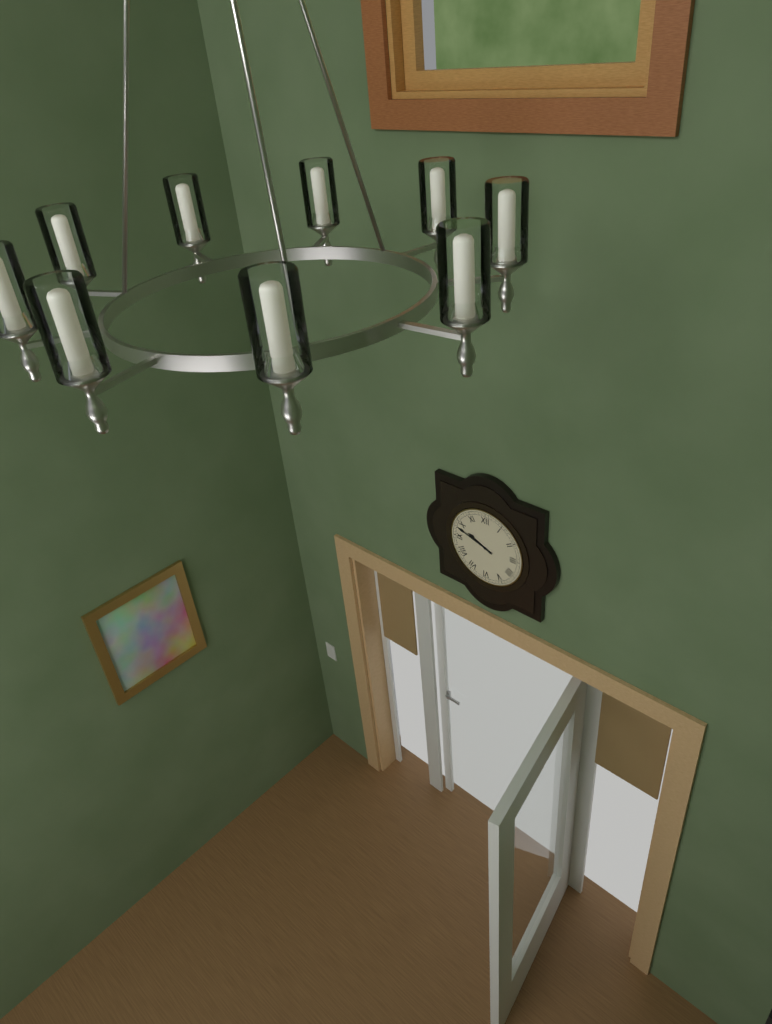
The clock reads 9,48
